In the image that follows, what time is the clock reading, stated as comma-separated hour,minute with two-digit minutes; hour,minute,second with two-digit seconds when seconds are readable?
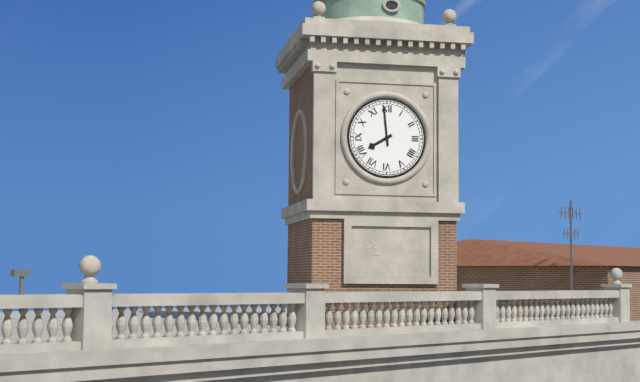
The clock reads 7,59
